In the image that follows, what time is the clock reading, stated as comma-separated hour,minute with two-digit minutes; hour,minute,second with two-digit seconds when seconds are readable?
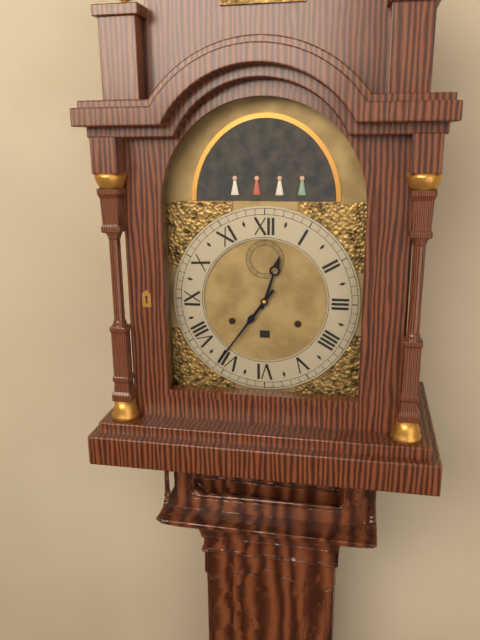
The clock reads 12,36
